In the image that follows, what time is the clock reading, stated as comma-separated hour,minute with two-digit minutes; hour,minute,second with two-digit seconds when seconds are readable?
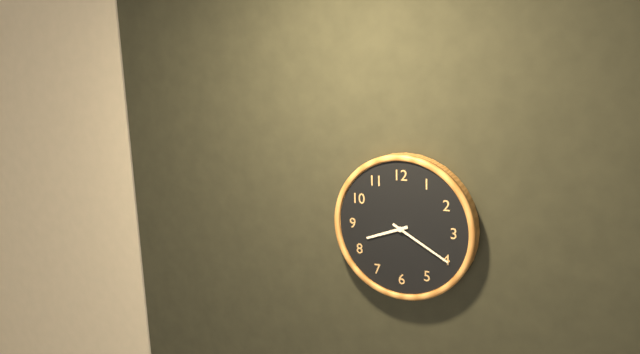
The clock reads 8,20
